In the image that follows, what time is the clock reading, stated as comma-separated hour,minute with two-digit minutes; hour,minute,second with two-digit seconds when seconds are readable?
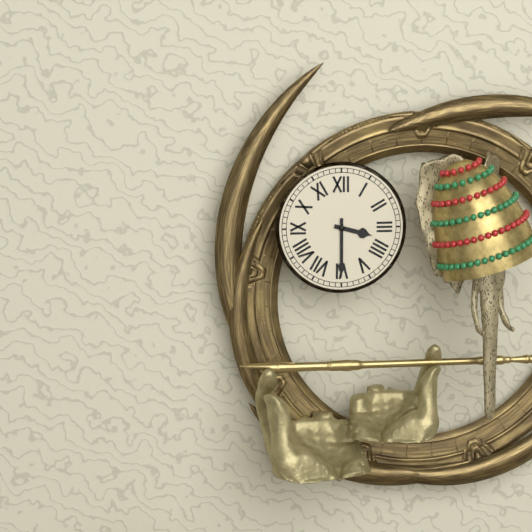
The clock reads 3,30
